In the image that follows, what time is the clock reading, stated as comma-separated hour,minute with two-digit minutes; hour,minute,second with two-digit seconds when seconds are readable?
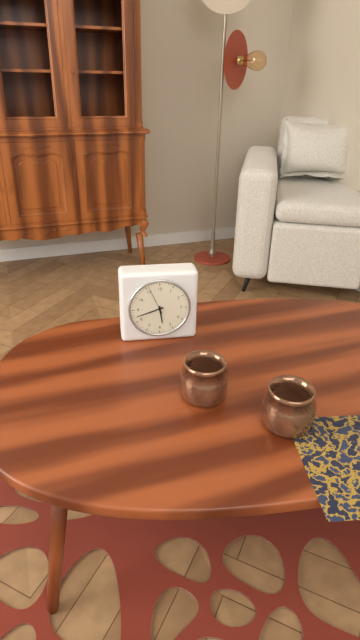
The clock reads 5,42
